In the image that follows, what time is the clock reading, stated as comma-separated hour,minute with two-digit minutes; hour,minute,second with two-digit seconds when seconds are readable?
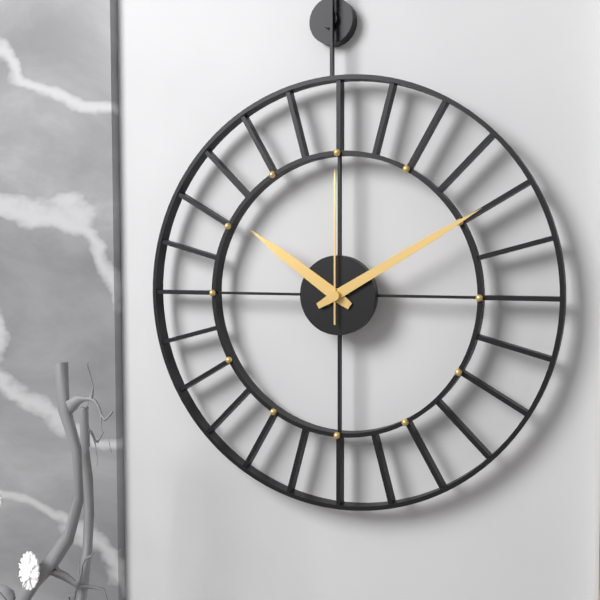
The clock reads 10,10,00
